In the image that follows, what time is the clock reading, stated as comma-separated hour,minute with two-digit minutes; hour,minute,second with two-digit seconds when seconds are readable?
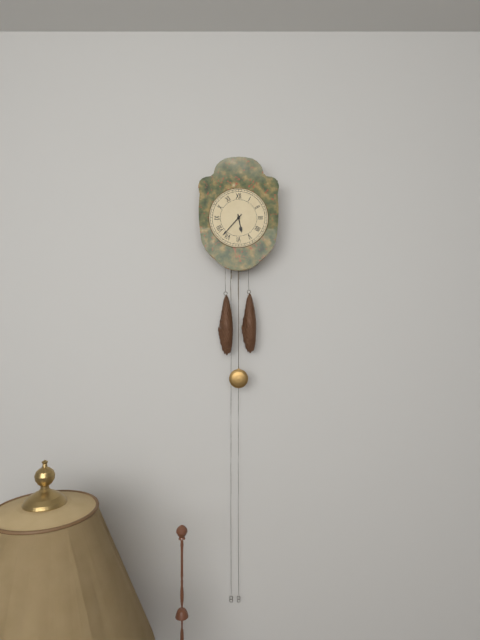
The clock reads 5,37
